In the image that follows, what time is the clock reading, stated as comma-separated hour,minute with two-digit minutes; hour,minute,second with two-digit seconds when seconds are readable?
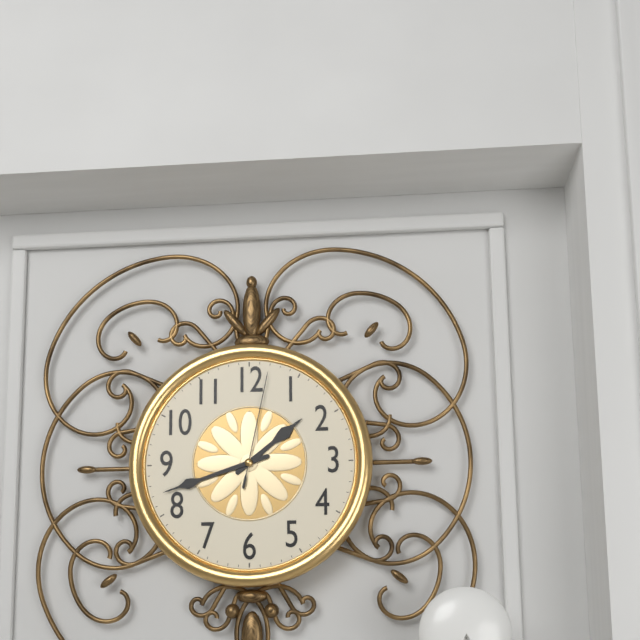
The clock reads 1,42,02
